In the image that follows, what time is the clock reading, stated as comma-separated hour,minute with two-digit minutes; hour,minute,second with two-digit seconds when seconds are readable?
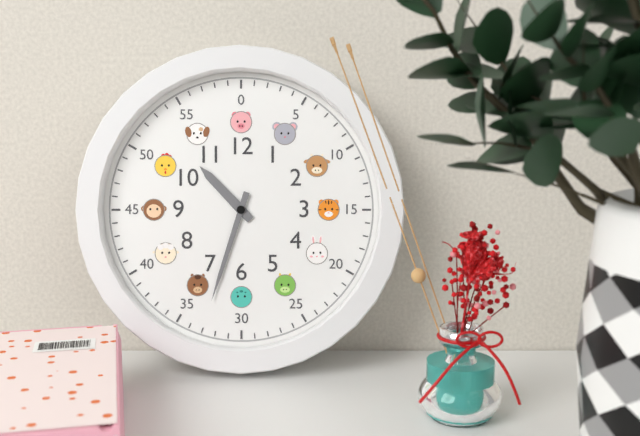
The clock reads 10,33
